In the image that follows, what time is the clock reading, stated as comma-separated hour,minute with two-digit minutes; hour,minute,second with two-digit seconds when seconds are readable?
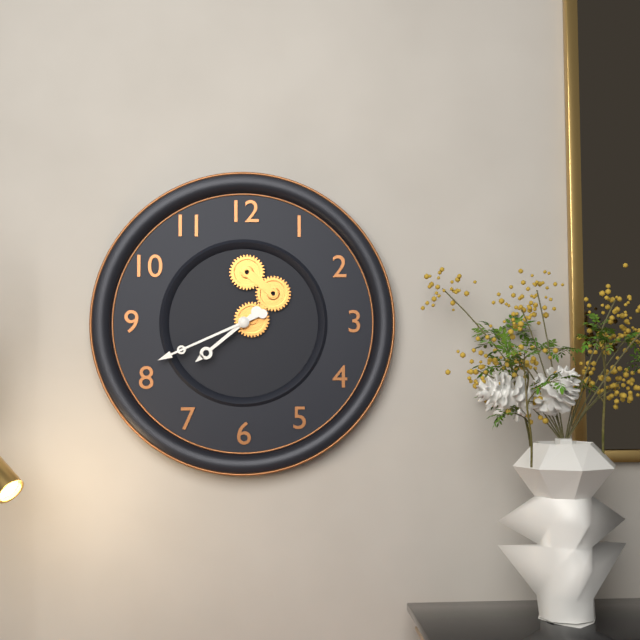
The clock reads 7,41
